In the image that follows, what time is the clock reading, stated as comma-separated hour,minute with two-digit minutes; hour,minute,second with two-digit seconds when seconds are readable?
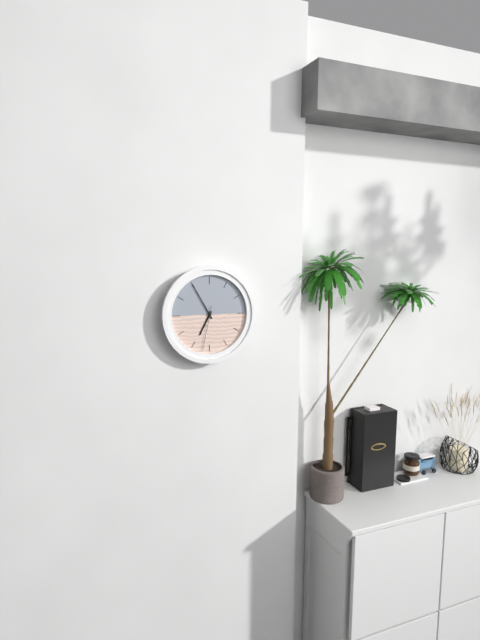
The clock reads 6,55
